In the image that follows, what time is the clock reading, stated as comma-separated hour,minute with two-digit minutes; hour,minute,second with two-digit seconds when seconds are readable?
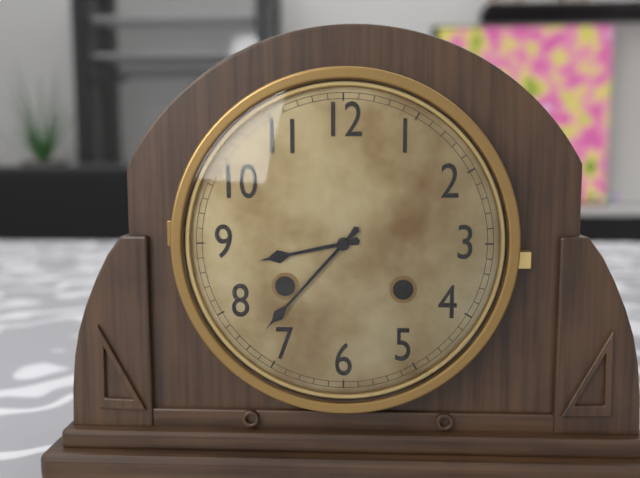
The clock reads 8,37
